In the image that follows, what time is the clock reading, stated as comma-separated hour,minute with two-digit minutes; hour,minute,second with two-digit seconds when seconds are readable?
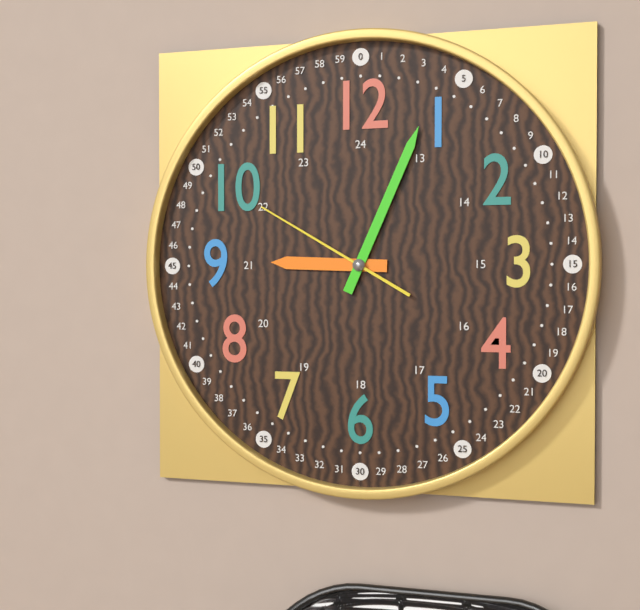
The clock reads 9,04,50
